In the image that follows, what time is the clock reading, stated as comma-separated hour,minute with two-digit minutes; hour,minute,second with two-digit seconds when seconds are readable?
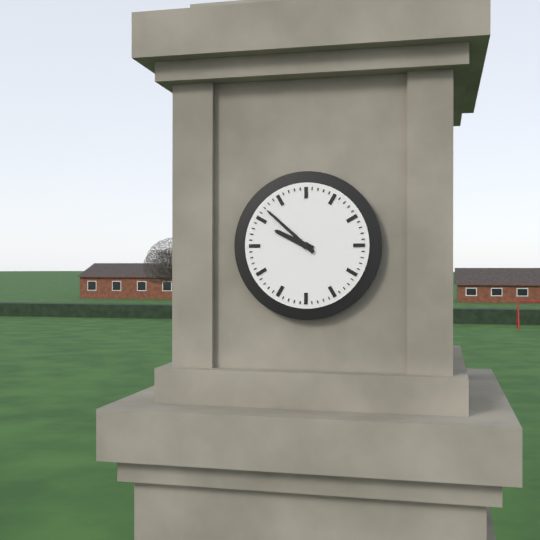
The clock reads 9,52
